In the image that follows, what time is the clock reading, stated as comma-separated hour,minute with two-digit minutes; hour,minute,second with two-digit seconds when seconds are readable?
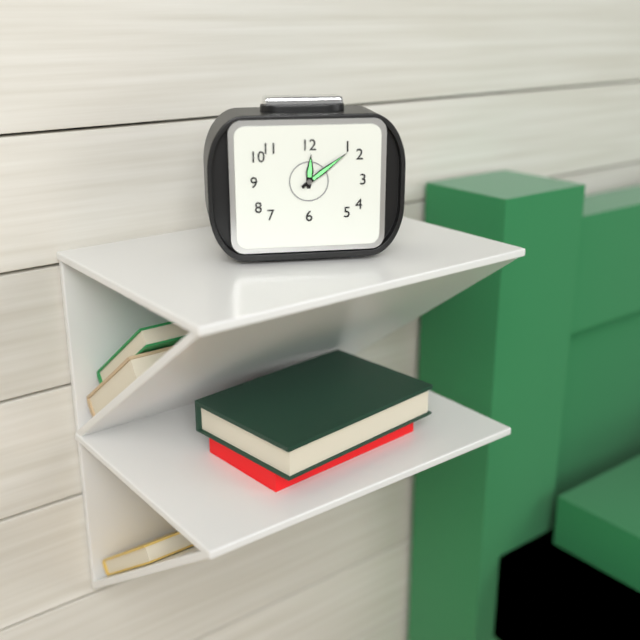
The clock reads 12,09
